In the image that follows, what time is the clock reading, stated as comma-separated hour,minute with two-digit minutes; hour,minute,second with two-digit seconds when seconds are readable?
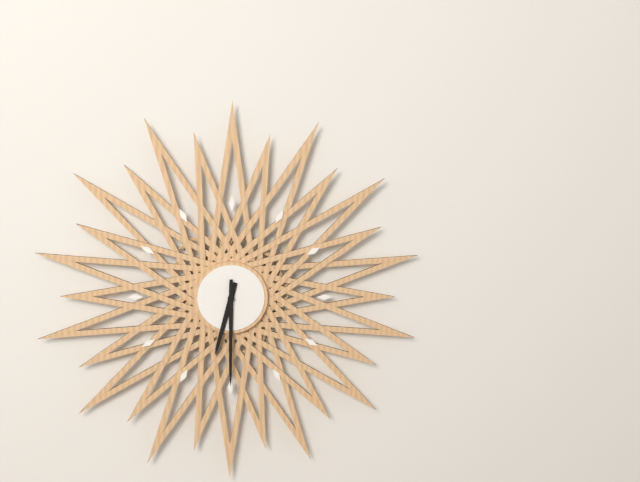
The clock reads 6,30
